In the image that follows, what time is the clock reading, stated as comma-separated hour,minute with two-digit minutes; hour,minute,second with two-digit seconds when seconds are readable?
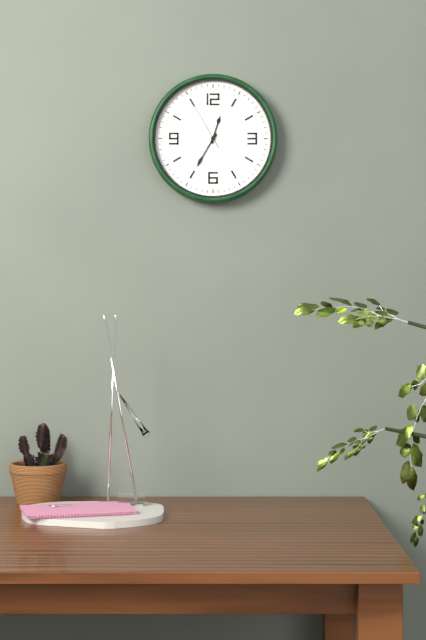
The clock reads 12,35,55
